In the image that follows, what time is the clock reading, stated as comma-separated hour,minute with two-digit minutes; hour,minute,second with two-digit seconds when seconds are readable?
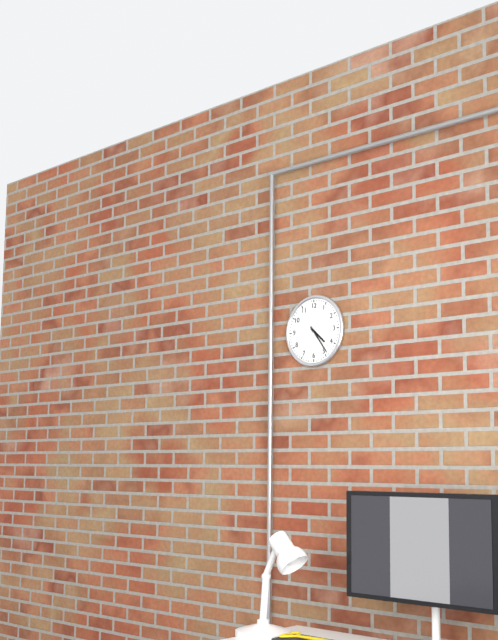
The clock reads 4,24
